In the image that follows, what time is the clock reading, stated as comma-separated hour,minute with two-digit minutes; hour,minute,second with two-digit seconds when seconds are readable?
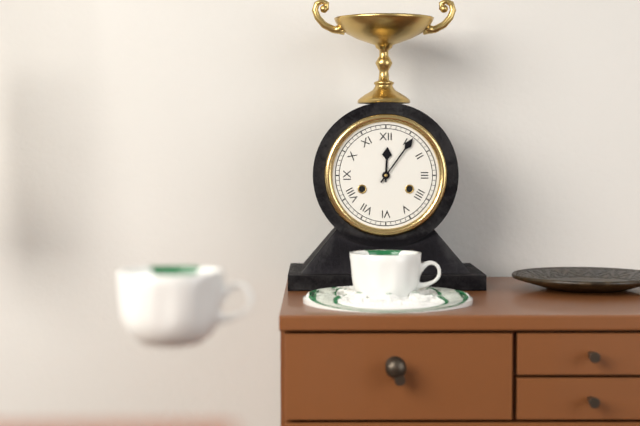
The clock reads 12,06
